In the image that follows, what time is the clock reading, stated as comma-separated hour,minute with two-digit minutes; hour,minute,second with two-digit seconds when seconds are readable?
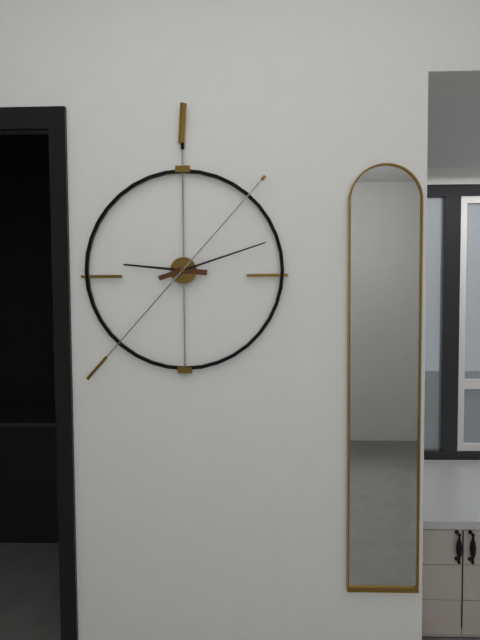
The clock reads 9,12,37
